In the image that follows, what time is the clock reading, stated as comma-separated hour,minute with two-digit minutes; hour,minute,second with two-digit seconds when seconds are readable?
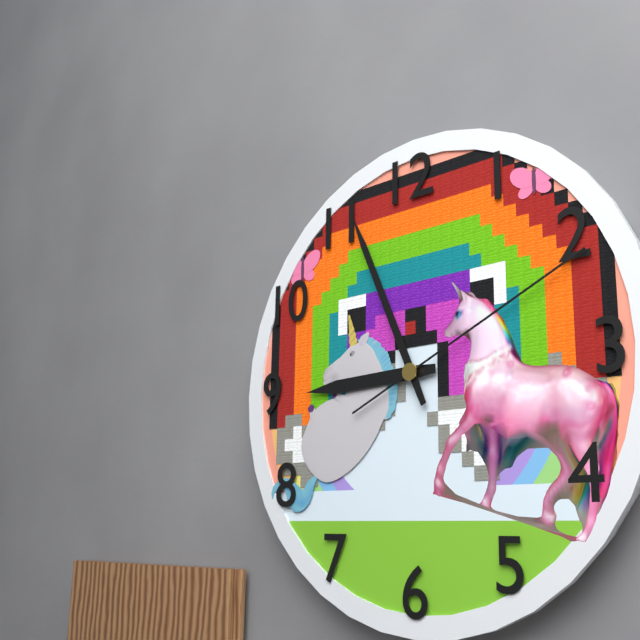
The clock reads 8,56,11
